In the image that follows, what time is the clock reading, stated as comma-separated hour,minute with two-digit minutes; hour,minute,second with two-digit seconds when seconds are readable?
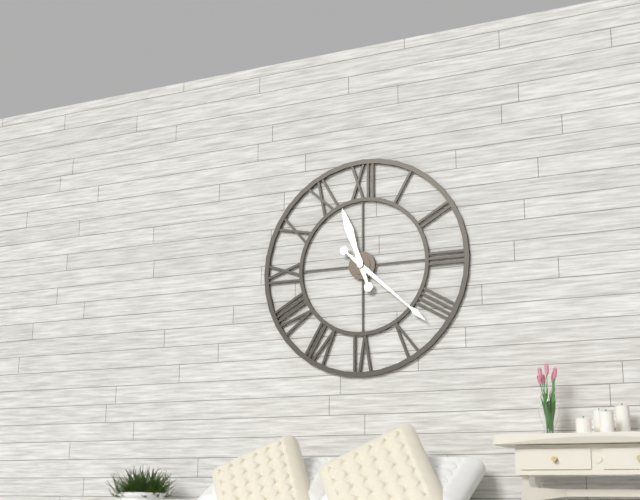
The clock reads 11,22
